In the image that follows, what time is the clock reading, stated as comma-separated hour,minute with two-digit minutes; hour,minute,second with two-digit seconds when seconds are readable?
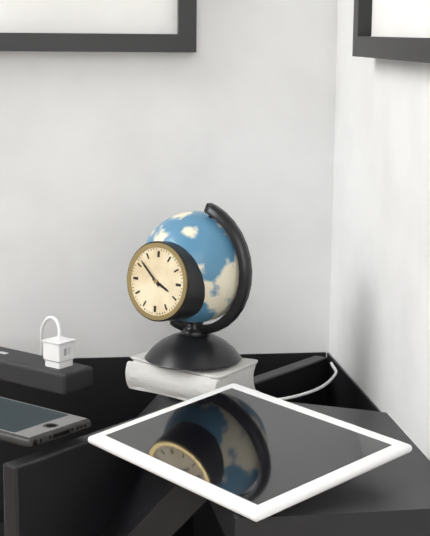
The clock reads 3,52
